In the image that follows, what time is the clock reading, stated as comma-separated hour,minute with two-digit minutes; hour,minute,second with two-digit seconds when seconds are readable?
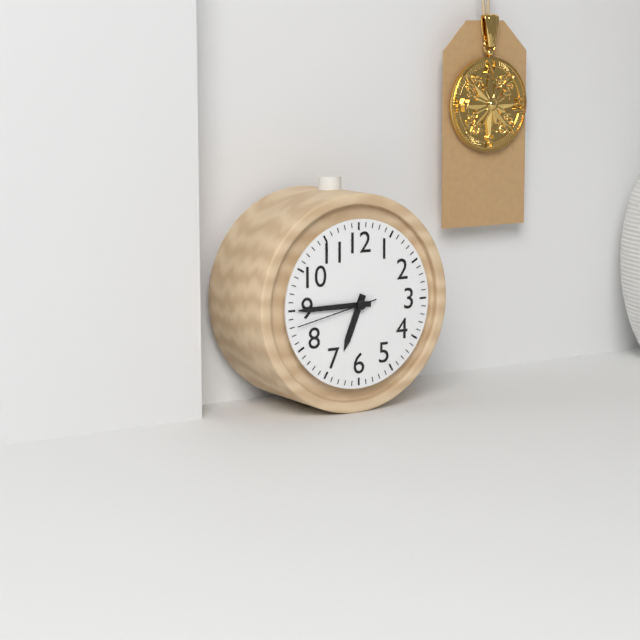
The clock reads 6,45,43
